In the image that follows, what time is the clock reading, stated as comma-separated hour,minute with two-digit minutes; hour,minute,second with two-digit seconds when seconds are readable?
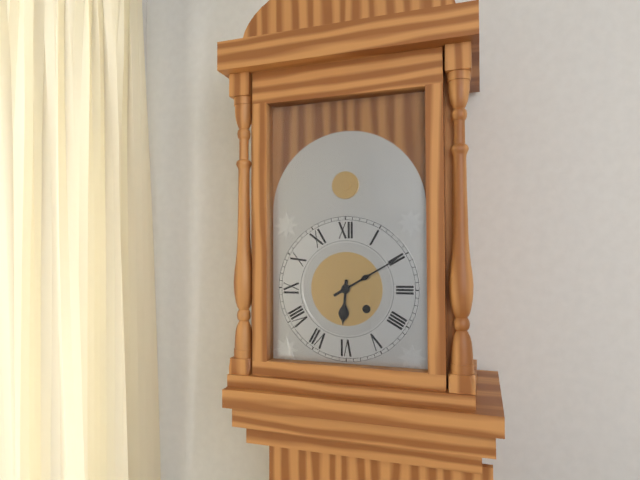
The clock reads 6,10
